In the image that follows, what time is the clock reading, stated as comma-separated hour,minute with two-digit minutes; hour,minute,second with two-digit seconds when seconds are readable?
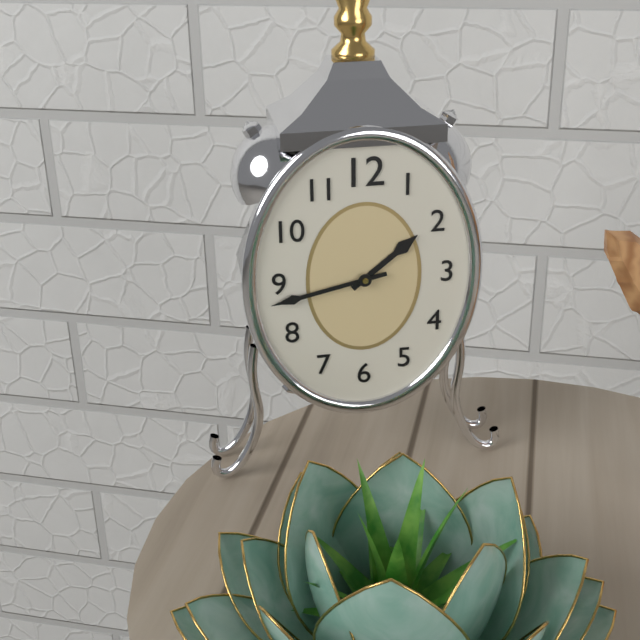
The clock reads 1,43
